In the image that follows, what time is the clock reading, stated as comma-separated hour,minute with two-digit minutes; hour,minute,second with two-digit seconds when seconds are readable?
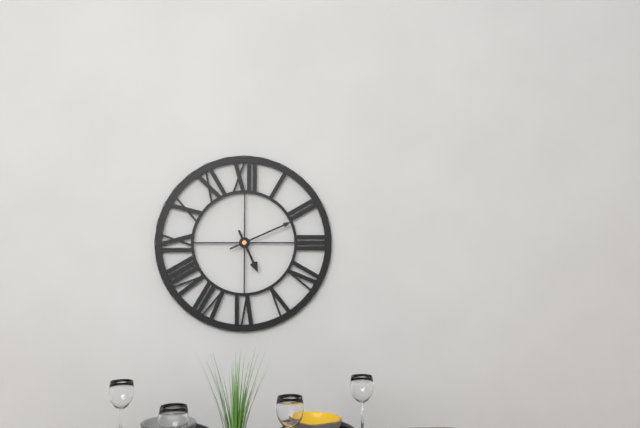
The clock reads 5,11
